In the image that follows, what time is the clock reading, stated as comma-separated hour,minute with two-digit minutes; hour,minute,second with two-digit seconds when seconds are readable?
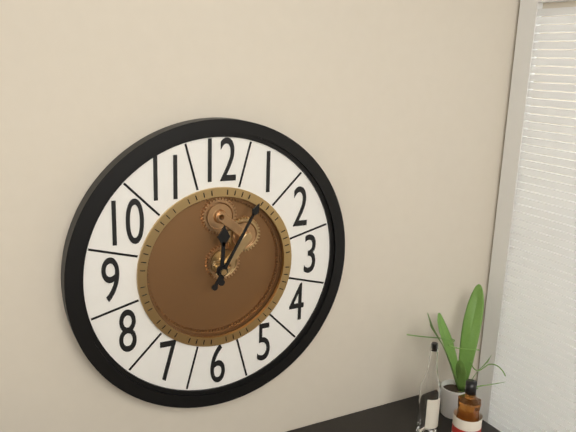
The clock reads 12,05
